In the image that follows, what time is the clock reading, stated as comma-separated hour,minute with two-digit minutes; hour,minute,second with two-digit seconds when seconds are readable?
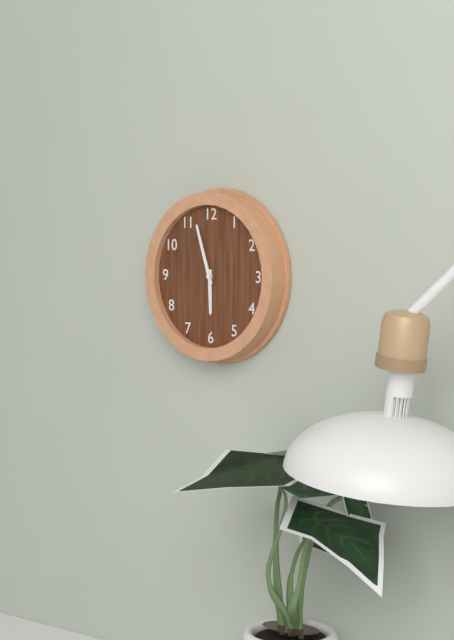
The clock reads 5,57
